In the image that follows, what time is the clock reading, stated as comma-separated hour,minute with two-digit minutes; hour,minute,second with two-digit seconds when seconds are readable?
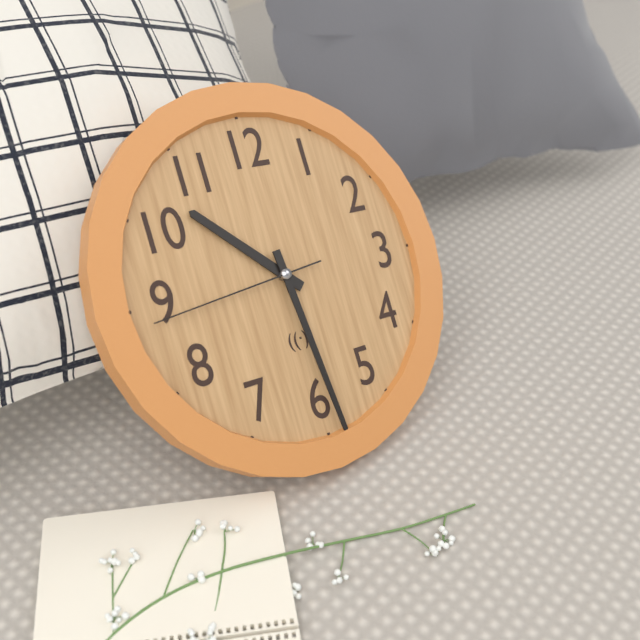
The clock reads 10,29,44
